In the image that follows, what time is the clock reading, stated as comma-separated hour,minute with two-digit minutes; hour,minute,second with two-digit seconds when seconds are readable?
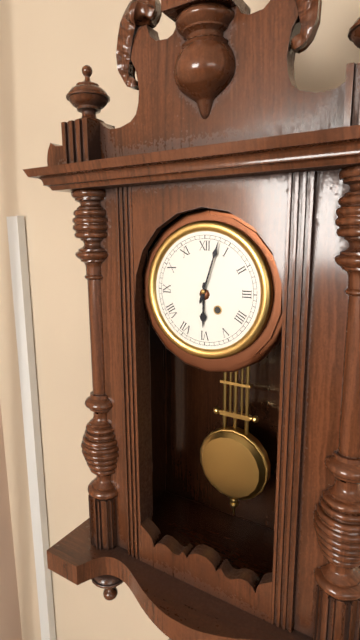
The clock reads 6,03
